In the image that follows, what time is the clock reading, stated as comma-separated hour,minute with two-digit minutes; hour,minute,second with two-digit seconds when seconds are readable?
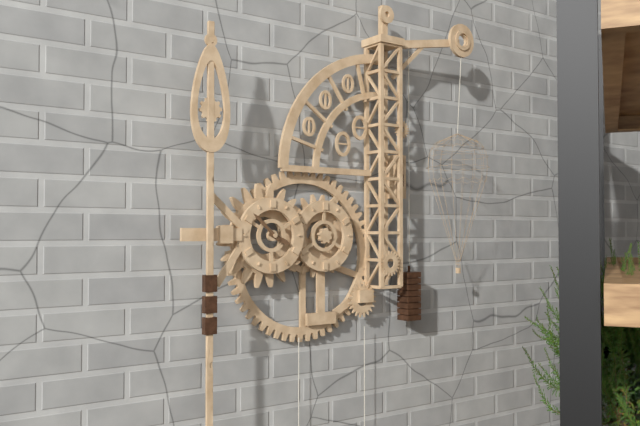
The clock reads 3,52
